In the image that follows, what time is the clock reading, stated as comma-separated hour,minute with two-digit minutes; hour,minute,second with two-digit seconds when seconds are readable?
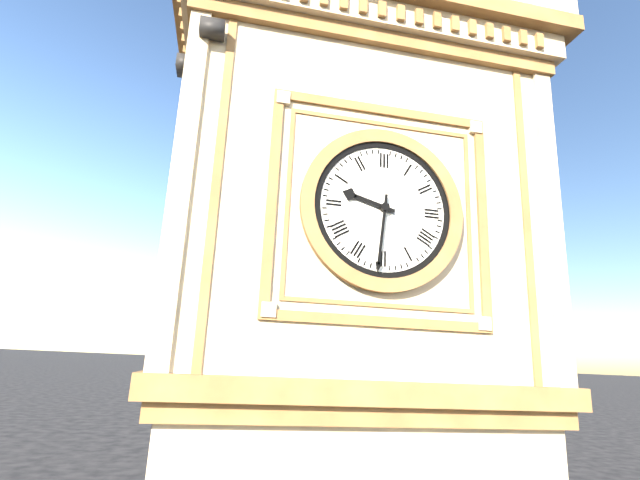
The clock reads 9,31
